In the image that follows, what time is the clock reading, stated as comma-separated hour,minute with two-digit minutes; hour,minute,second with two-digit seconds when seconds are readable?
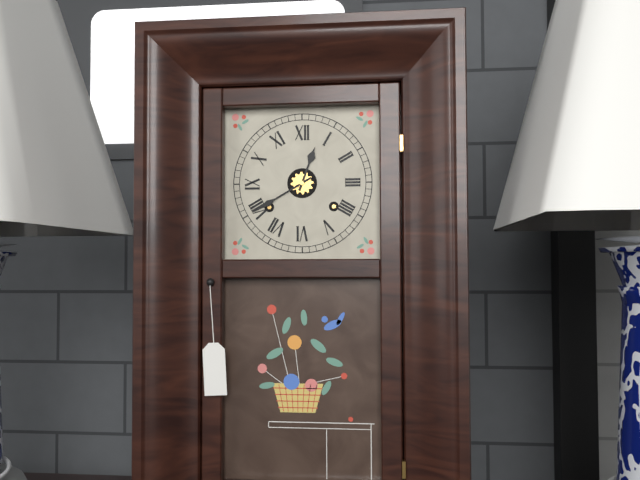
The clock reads 12,40
